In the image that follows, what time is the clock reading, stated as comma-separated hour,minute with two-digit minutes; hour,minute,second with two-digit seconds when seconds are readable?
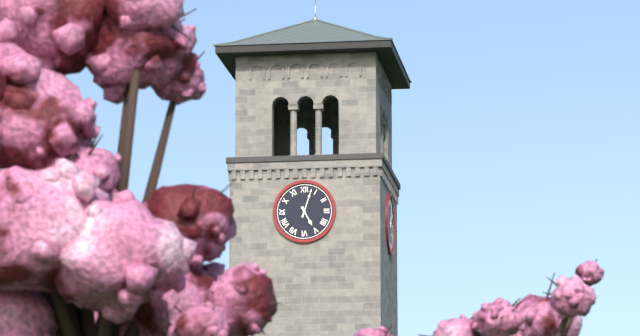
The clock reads 5,03
